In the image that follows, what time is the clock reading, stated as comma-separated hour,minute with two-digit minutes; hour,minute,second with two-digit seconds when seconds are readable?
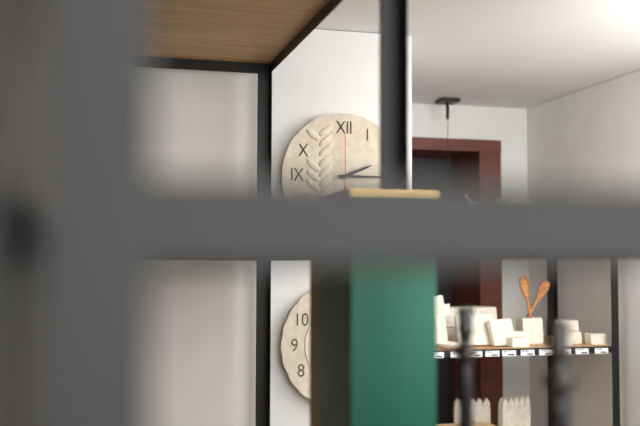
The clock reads 2,15,00
